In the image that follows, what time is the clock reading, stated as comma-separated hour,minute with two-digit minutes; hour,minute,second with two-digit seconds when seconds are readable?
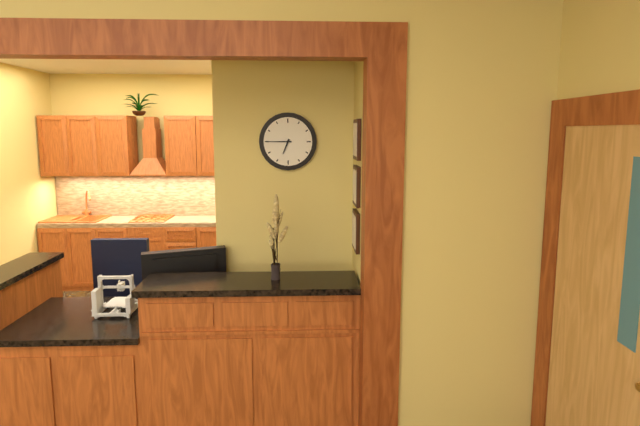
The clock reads 6,45
